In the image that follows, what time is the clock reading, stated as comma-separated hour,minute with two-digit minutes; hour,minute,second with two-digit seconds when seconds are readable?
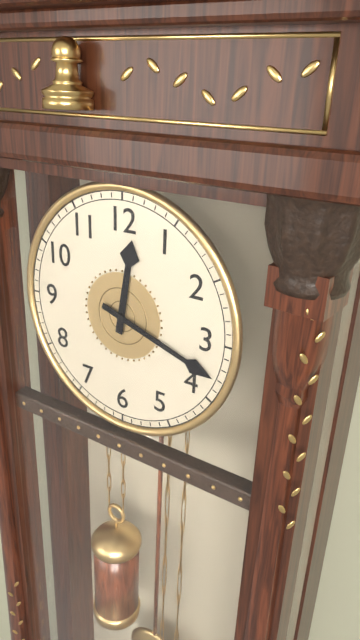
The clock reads 12,18
